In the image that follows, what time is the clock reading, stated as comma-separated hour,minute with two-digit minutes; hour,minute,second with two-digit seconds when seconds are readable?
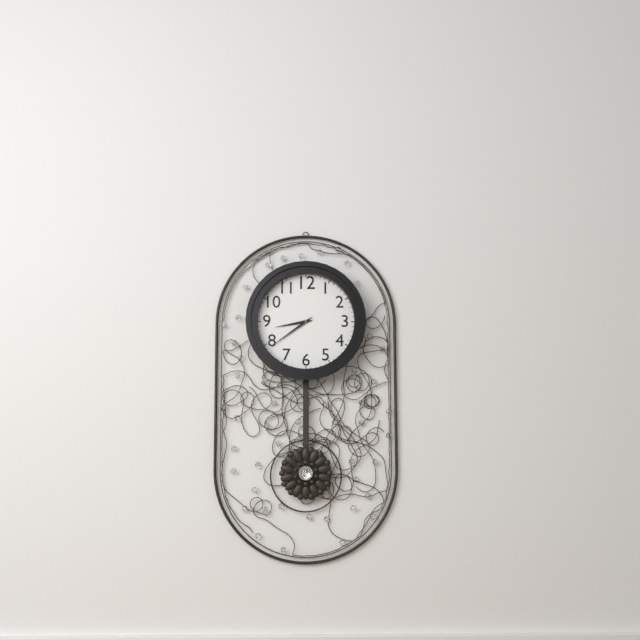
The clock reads 8,39
